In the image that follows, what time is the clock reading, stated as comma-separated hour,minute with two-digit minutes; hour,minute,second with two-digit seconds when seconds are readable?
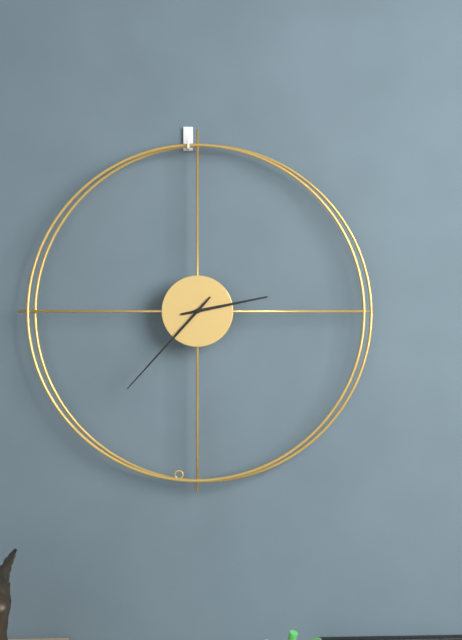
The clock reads 2,37
